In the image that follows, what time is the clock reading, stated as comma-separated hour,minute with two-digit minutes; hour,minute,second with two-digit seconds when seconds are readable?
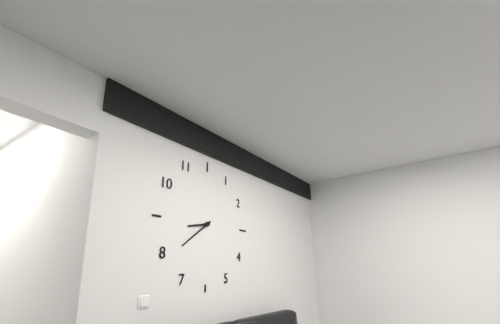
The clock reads 8,39
